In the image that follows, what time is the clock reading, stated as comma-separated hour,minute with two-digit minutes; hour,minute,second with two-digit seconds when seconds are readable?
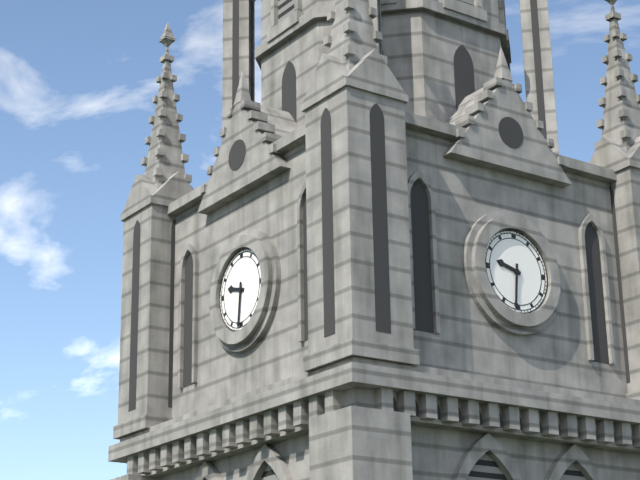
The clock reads 9,31
